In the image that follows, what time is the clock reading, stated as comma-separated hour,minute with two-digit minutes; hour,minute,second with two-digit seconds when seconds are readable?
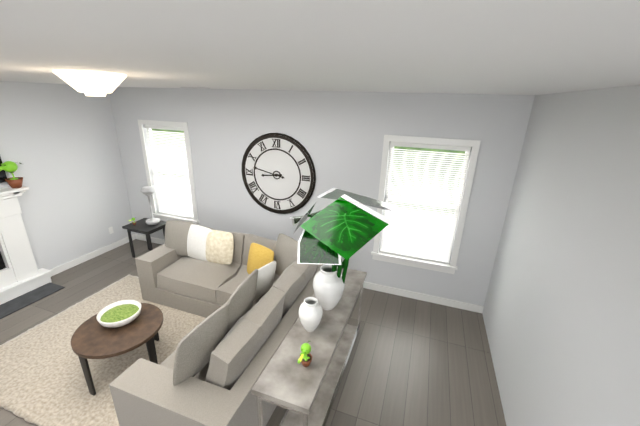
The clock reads 8,47
